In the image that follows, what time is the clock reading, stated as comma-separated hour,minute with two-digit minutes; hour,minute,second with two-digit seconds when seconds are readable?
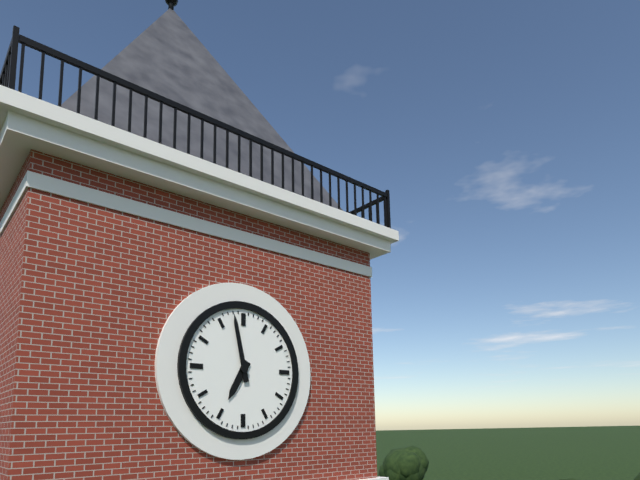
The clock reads 6,58
